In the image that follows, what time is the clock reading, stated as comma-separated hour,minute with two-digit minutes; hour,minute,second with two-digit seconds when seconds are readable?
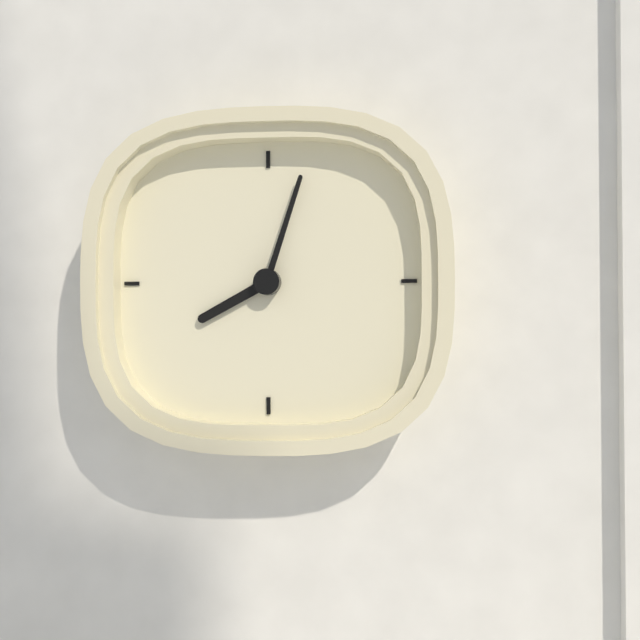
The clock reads 8,03
